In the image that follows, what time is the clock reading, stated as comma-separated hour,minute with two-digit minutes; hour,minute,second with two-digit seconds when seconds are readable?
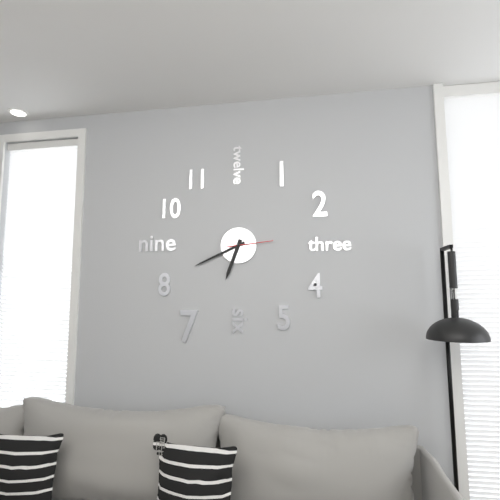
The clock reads 6,41
